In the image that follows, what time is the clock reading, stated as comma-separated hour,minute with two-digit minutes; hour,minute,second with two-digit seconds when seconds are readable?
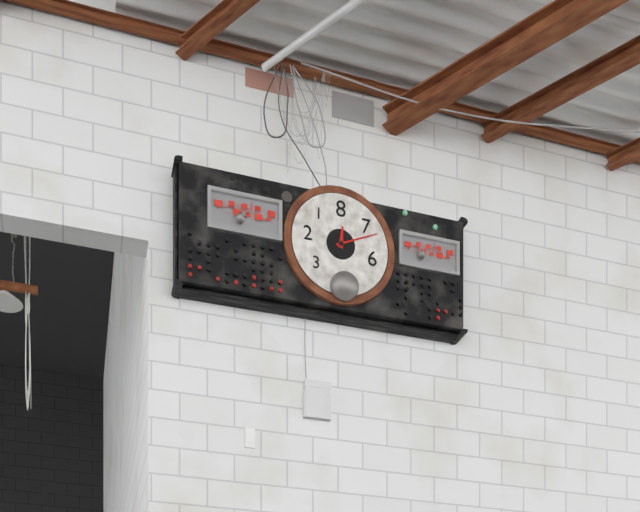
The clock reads 12,11
